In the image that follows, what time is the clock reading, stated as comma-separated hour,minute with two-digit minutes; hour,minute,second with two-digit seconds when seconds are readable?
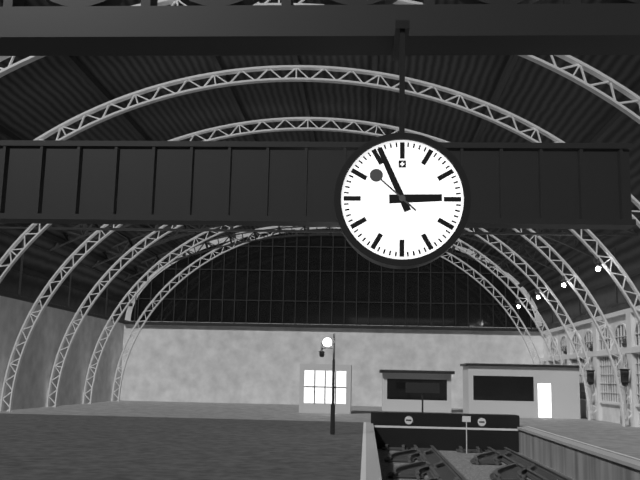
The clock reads 2,56,52
